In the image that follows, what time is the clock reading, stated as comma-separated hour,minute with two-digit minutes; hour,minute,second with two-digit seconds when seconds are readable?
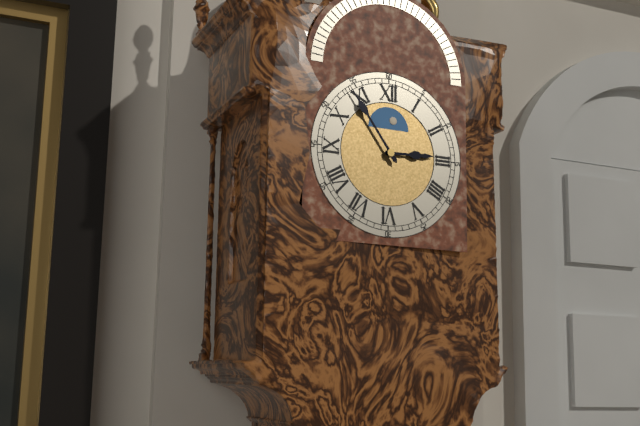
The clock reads 2,54
